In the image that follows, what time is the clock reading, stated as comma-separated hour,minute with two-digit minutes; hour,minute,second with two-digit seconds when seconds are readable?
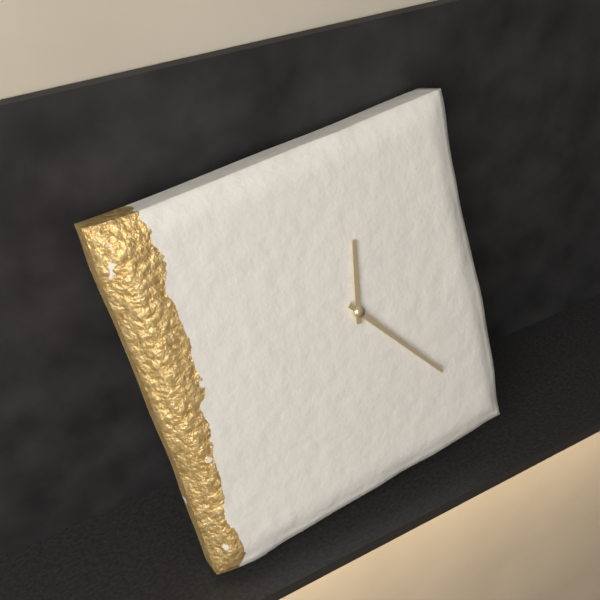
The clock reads 12,24
